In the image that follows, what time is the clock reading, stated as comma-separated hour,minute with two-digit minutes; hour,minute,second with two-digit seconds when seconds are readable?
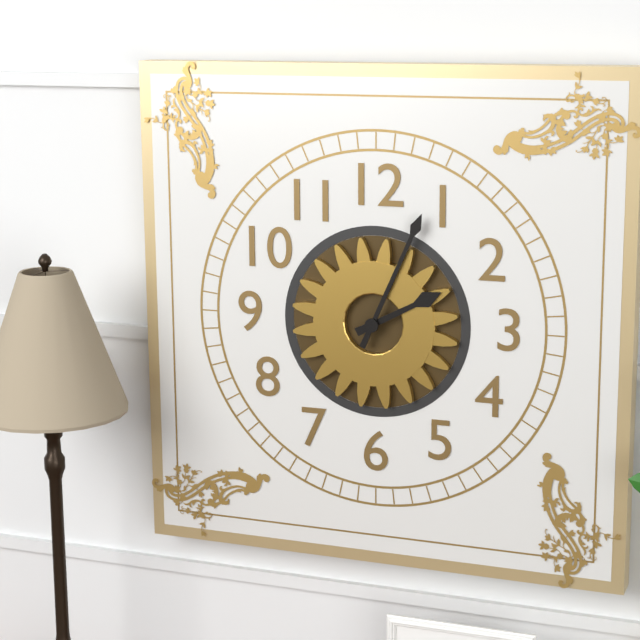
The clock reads 2,04
